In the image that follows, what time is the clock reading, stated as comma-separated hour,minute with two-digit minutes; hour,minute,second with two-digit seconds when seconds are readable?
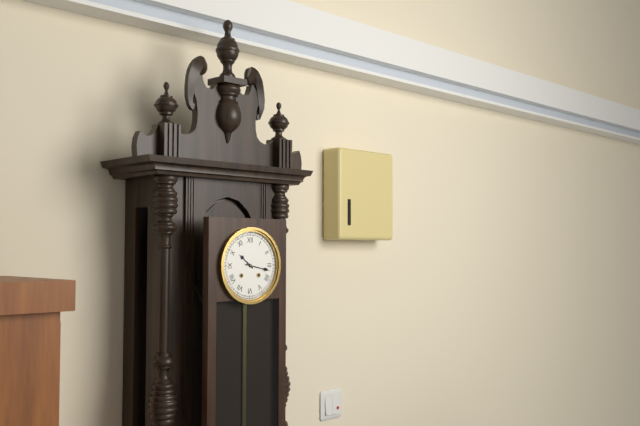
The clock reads 10,17
